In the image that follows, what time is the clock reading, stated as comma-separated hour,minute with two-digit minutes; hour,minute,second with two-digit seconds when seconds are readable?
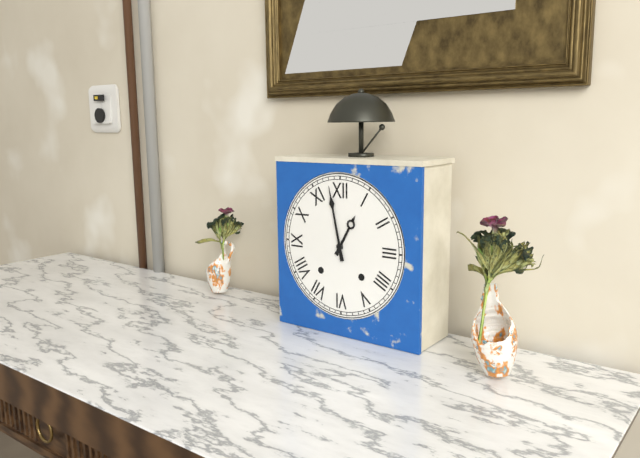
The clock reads 12,58
